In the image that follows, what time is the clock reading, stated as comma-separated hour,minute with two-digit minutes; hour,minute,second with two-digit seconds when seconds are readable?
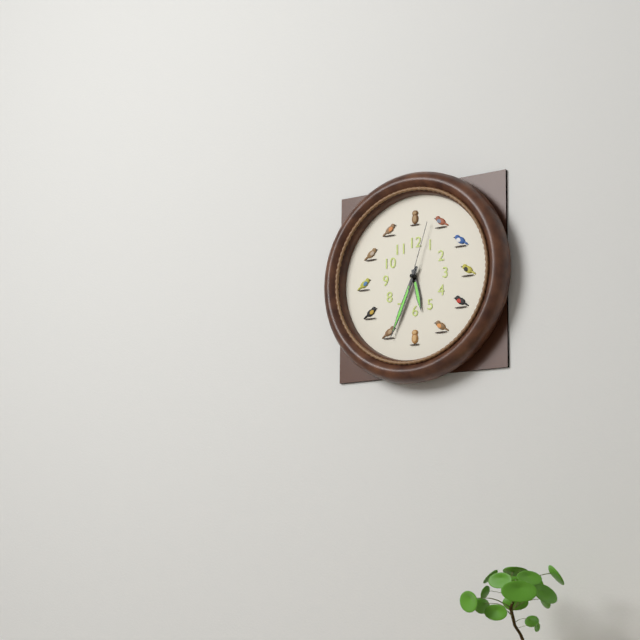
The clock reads 5,34,03
